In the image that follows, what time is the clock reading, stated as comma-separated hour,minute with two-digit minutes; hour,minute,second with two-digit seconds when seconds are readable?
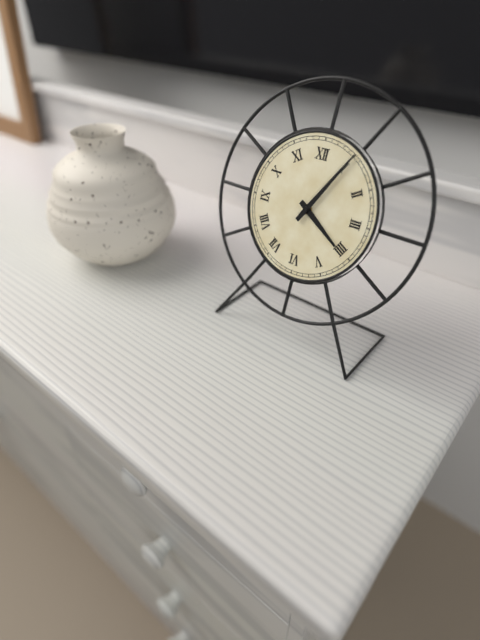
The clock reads 4,05
